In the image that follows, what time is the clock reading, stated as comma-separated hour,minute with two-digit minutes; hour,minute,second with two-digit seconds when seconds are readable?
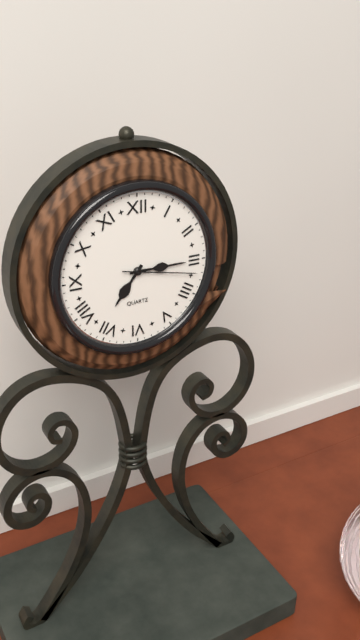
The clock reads 7,15,17
